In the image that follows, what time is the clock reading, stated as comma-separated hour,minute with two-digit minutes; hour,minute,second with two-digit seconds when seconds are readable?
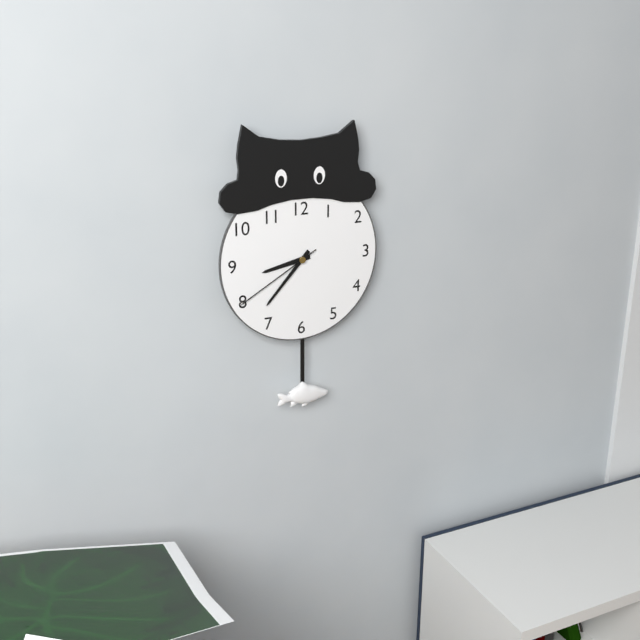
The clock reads 8,37,40
